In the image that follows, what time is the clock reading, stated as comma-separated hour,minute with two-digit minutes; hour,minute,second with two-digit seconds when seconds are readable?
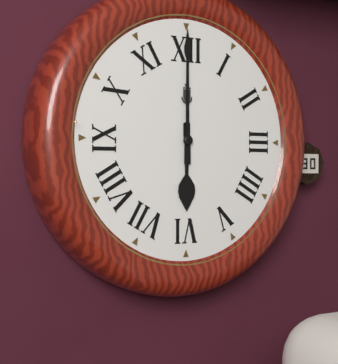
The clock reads 6,00
